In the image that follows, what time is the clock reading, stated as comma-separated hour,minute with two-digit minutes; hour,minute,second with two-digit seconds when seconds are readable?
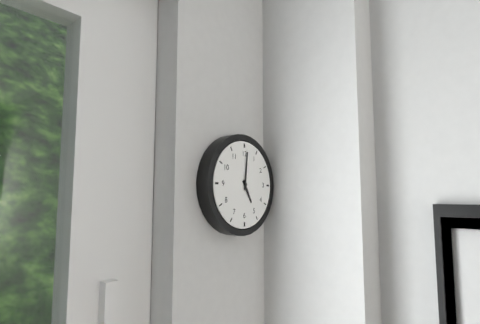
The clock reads 5,01
